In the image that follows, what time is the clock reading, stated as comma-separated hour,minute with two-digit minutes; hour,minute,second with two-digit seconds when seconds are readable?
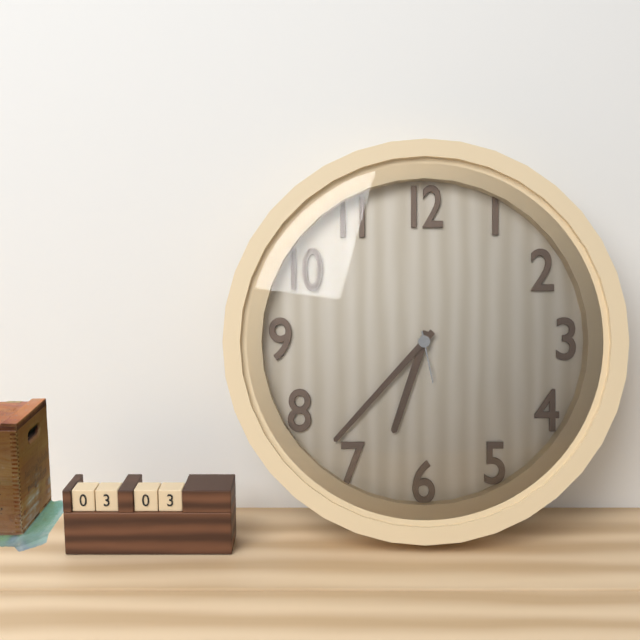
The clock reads 6,37,28
